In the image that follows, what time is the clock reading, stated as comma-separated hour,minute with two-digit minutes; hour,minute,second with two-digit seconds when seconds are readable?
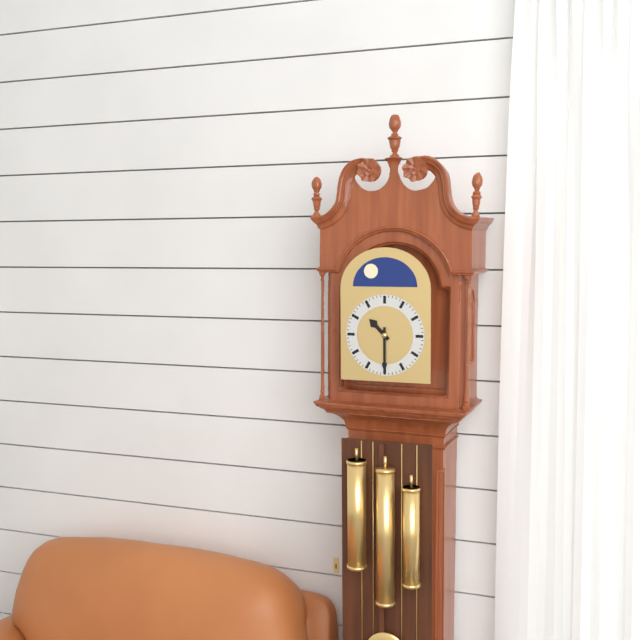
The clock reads 10,30
